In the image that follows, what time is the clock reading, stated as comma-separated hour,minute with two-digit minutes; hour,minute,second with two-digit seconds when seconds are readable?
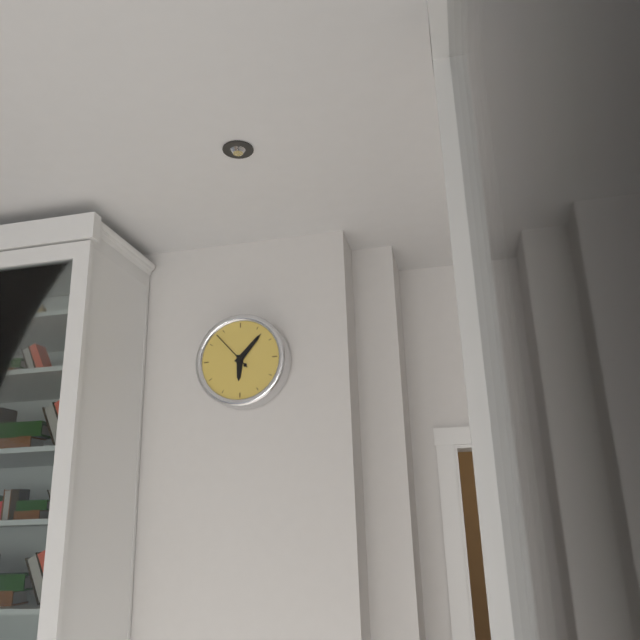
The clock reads 6,07
